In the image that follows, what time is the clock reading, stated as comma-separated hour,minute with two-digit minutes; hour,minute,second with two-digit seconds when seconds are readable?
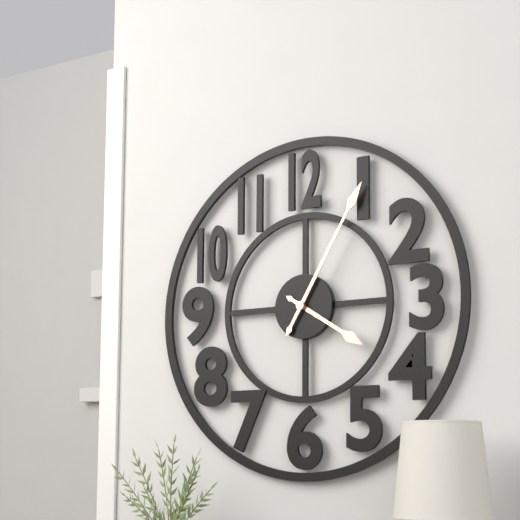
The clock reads 4,05
